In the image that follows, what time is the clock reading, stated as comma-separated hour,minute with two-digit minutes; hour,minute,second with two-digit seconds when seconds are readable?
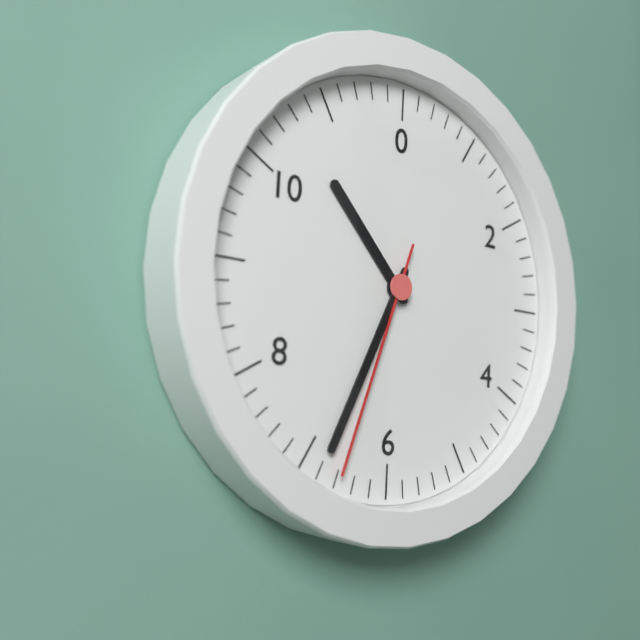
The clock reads 10,34,33
